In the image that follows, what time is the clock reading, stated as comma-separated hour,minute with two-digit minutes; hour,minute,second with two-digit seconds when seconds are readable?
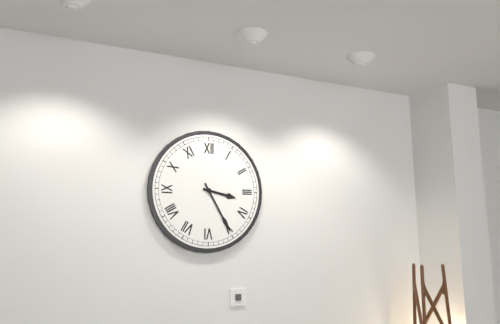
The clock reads 3,25
